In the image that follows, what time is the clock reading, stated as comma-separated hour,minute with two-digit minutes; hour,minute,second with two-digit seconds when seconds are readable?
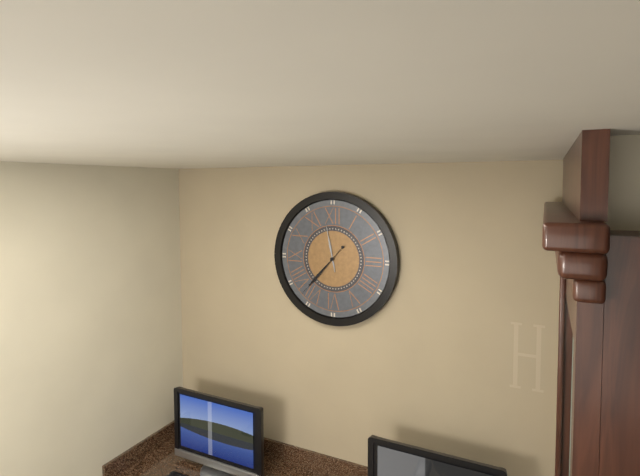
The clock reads 11,37
